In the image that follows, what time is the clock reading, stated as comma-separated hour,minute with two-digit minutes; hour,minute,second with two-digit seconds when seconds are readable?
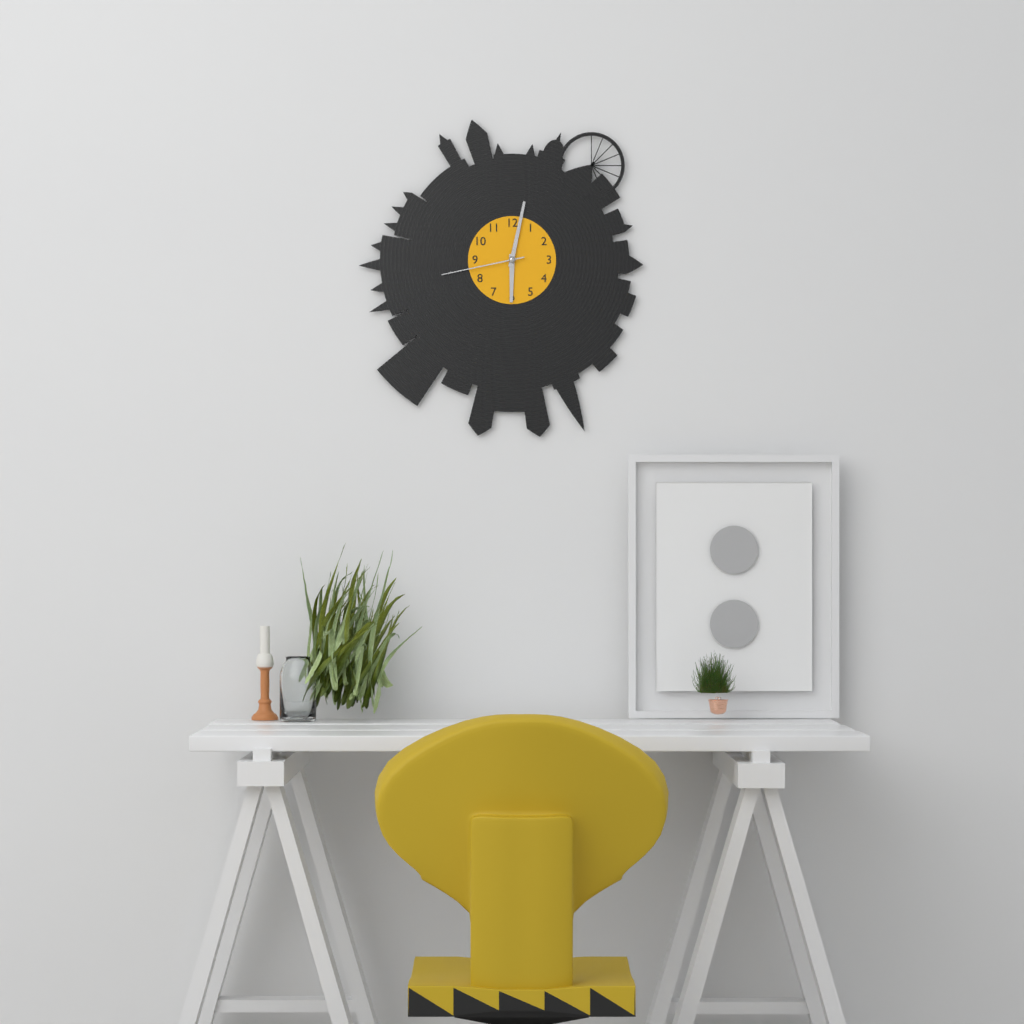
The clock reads 6,02,43
